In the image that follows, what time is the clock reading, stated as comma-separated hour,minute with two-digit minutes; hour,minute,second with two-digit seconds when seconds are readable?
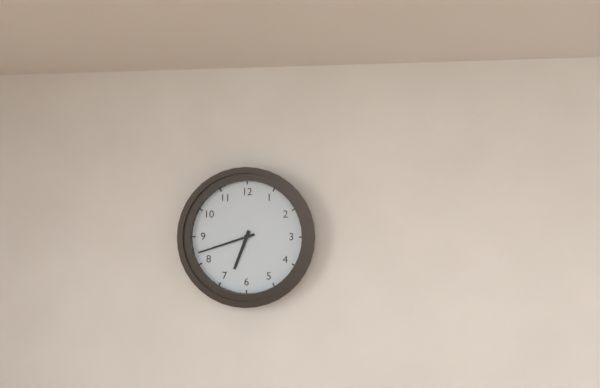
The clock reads 6,42
